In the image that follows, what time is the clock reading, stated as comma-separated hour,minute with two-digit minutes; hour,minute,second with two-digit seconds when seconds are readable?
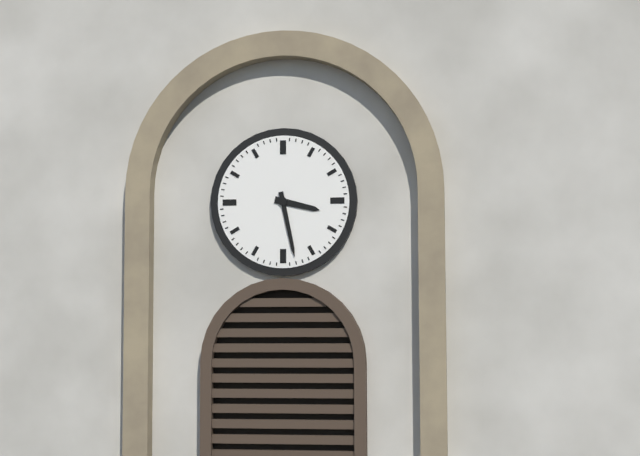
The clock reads 3,28
